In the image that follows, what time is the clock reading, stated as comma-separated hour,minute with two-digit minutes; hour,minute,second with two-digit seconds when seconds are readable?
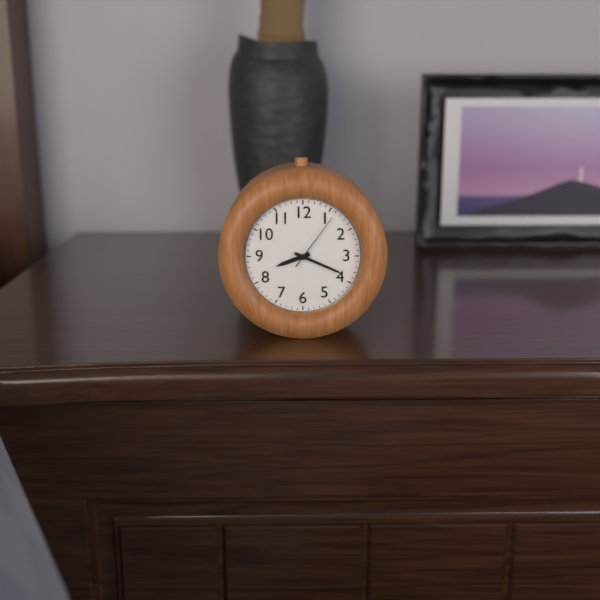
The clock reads 8,19,06
